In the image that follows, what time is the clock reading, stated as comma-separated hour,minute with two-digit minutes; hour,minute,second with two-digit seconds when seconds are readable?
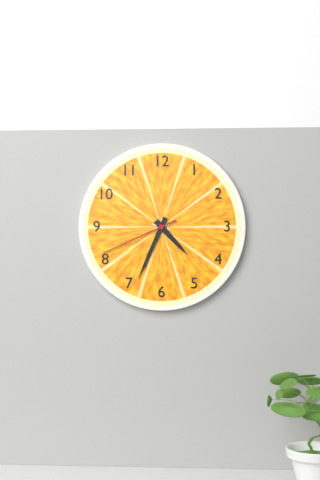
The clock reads 4,34,41
